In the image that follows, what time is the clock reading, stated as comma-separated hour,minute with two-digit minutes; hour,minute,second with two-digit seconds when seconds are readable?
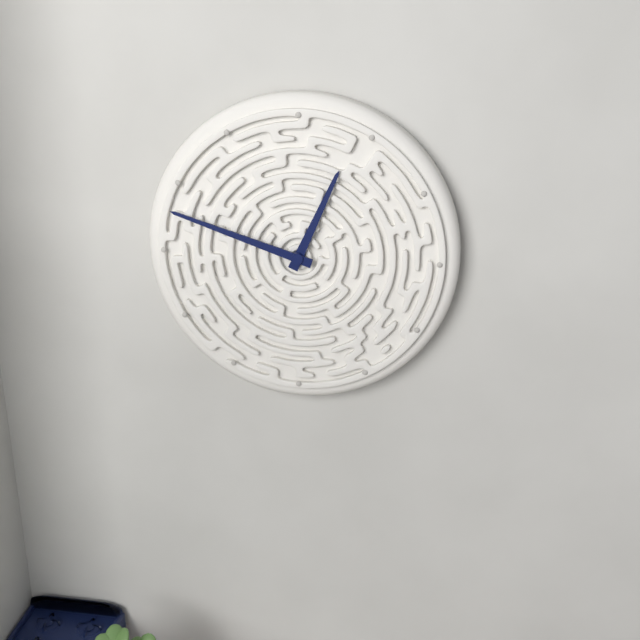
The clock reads 12,48
